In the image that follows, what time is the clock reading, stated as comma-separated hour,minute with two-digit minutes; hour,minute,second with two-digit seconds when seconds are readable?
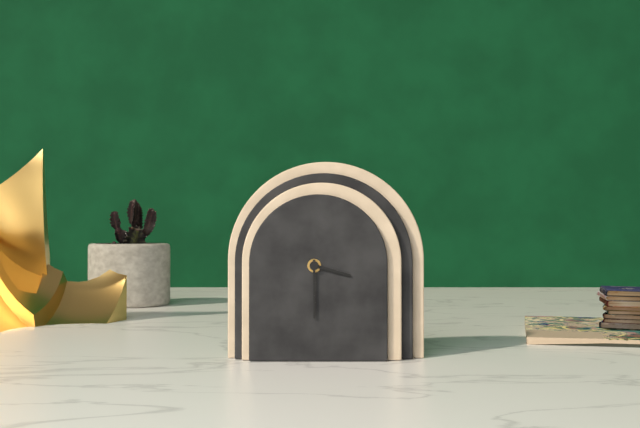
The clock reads 3,30
